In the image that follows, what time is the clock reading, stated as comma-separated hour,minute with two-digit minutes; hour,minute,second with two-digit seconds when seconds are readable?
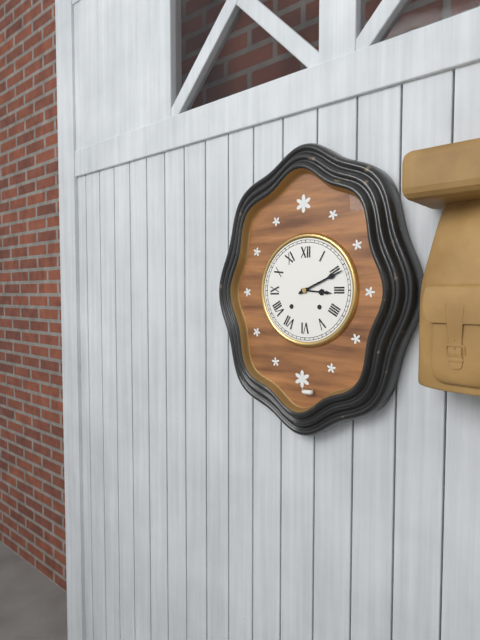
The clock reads 3,11
